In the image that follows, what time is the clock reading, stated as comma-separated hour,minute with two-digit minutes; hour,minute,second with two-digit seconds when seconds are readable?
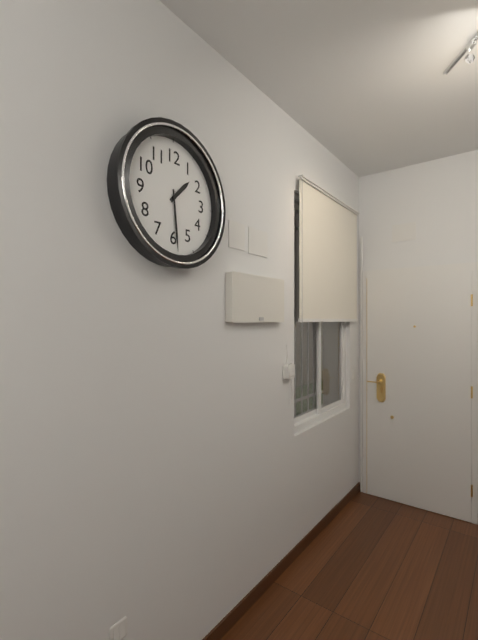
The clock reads 1,29
